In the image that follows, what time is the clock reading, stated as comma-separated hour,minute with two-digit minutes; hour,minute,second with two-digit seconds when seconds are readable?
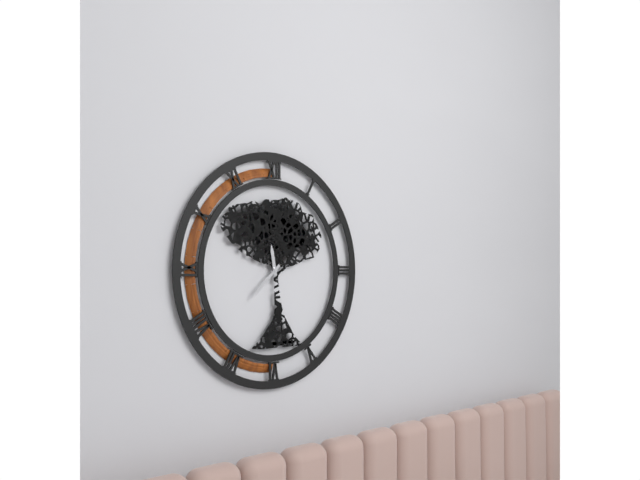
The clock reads 11,38
